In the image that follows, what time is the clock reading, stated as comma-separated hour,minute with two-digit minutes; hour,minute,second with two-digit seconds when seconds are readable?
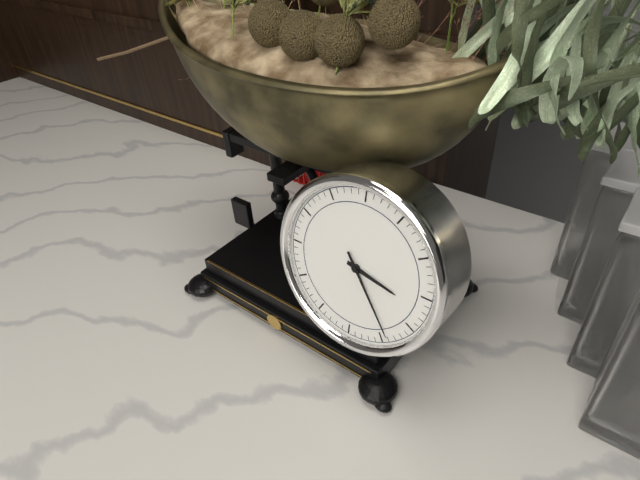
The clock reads 3,24
